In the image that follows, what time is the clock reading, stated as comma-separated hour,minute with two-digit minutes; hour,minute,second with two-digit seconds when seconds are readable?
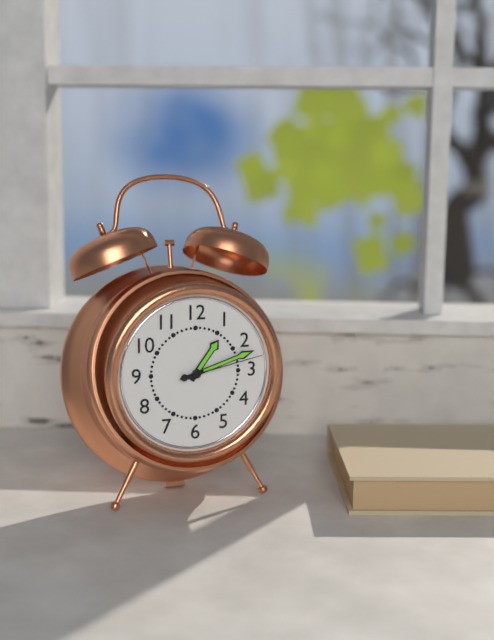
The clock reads 1,12,13
